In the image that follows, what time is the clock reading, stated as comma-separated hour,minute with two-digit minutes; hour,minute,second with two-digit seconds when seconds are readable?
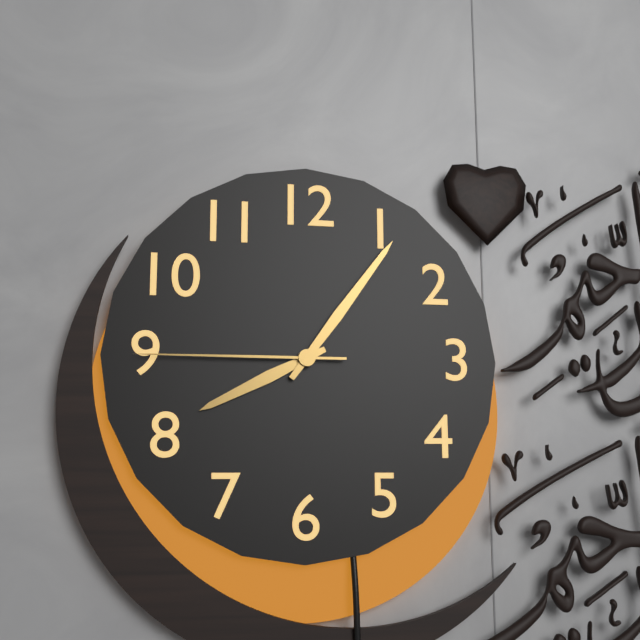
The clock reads 8,06,45
